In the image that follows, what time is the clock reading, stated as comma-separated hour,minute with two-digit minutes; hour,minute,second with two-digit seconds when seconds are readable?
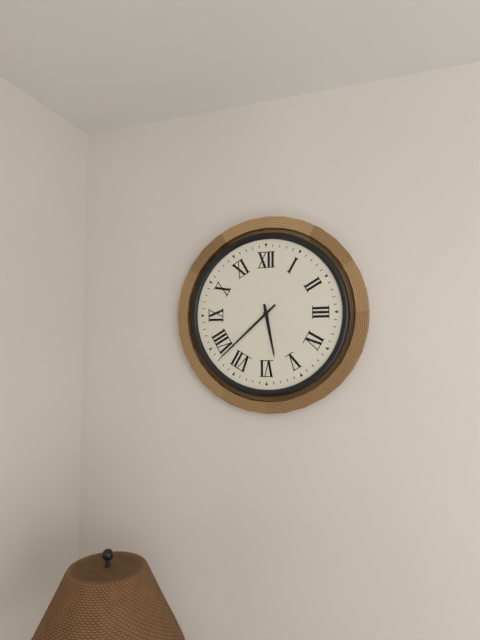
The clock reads 5,38
